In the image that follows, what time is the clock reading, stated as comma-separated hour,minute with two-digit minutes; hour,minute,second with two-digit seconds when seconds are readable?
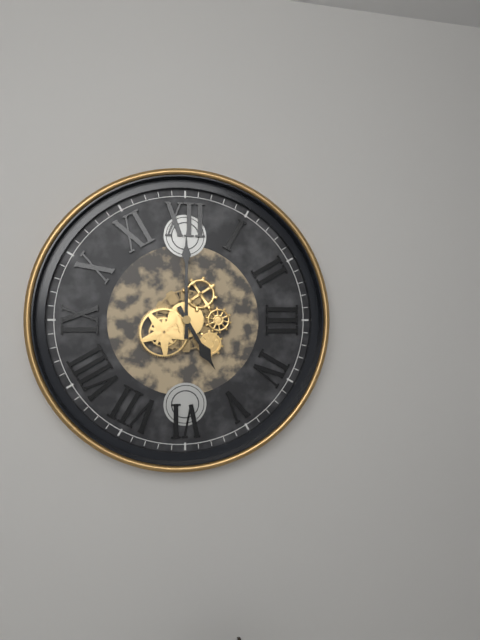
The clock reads 5,00
